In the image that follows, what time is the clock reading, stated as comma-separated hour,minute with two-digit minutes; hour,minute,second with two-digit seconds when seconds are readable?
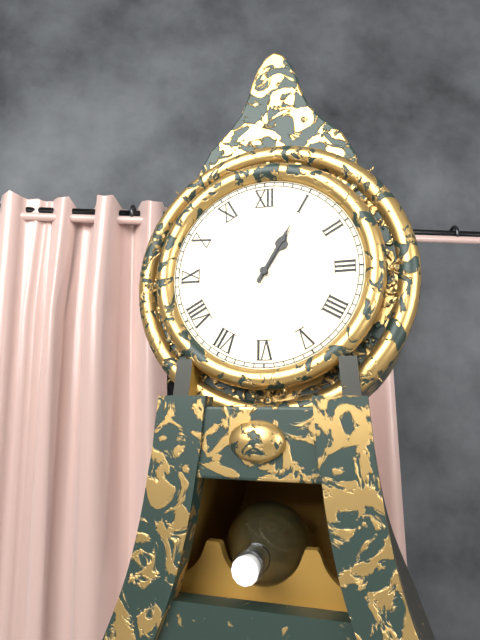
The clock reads 1,05
